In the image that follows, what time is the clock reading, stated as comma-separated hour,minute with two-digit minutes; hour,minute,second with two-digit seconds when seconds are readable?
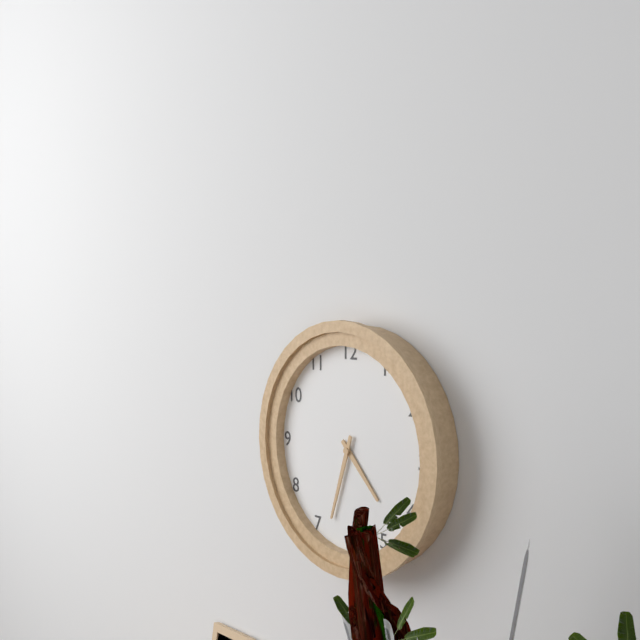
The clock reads 4,33
